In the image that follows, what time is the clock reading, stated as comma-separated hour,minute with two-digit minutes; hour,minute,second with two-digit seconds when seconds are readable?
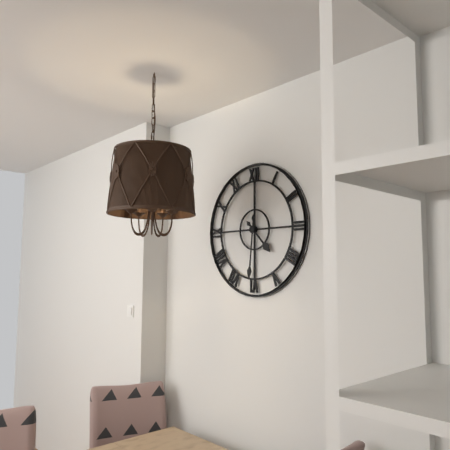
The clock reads 4,31
